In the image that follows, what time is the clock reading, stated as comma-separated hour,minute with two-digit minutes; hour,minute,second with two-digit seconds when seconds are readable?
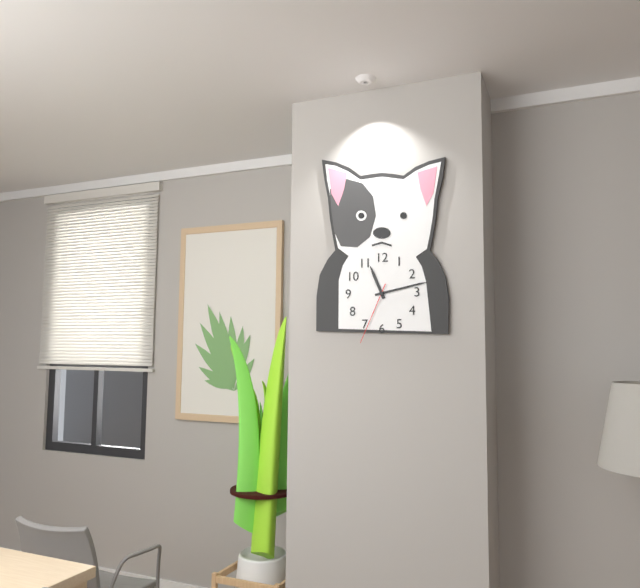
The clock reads 11,13,34
